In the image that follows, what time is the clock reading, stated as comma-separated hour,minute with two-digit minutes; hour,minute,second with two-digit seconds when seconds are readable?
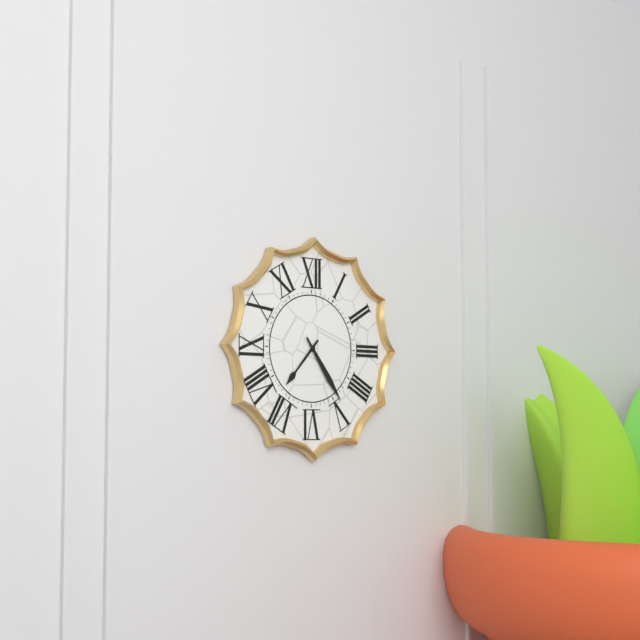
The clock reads 7,24
